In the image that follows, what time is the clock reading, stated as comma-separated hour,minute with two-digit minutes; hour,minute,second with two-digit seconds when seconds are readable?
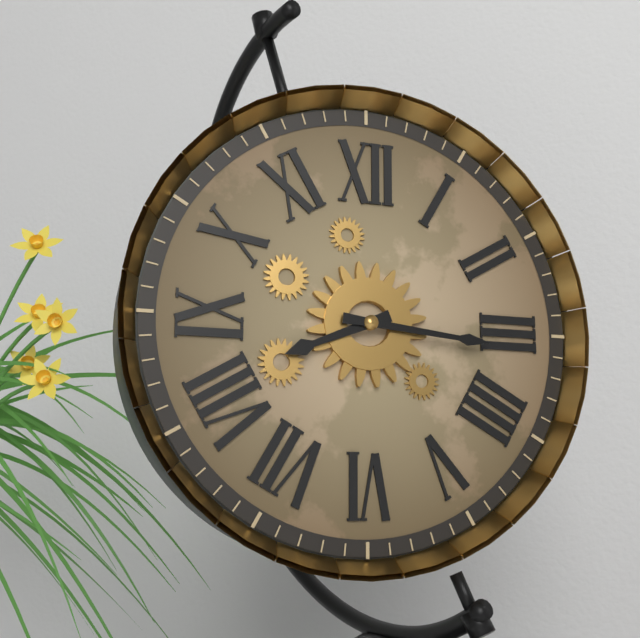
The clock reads 8,16
